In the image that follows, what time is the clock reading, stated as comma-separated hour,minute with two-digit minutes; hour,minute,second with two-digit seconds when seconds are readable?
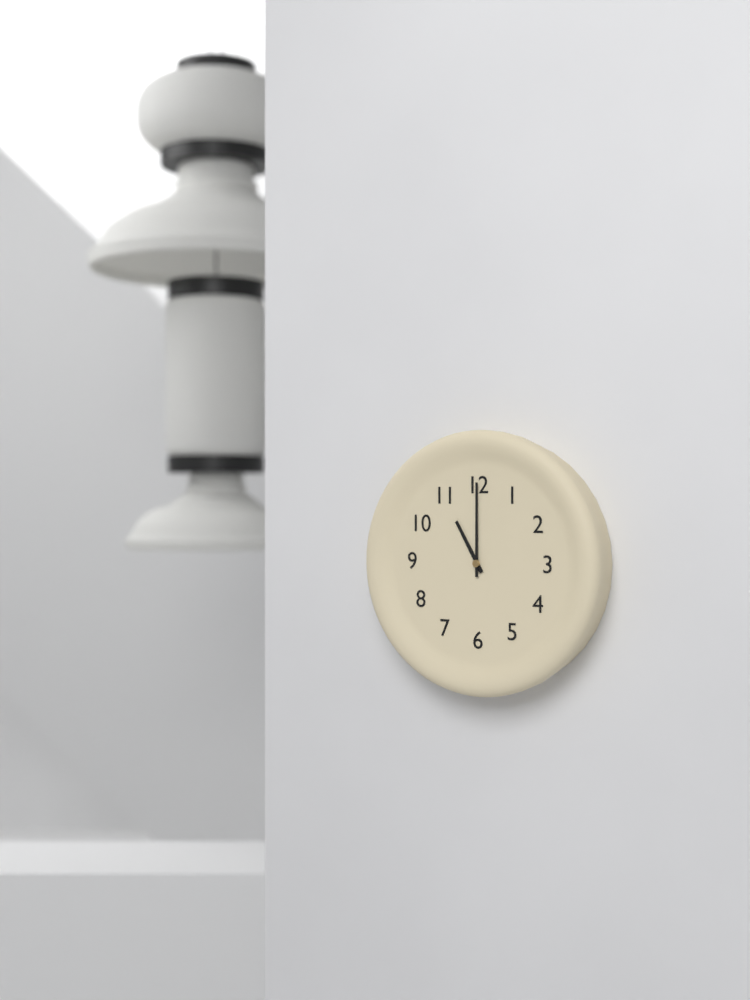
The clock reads 11,00
